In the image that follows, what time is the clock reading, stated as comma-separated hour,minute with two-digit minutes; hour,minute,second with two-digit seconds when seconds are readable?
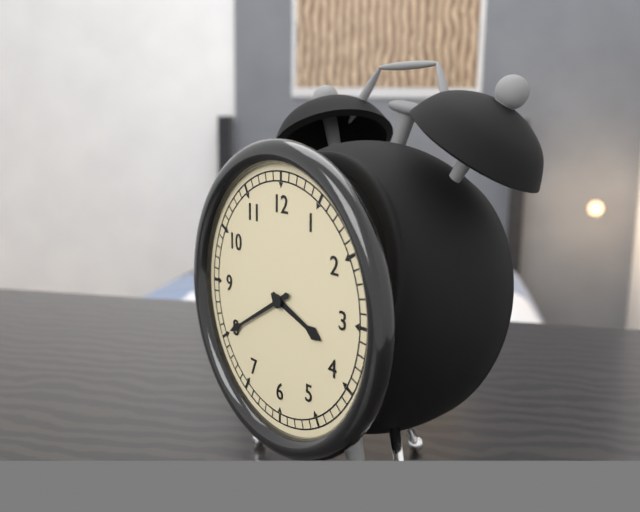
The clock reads 3,40
